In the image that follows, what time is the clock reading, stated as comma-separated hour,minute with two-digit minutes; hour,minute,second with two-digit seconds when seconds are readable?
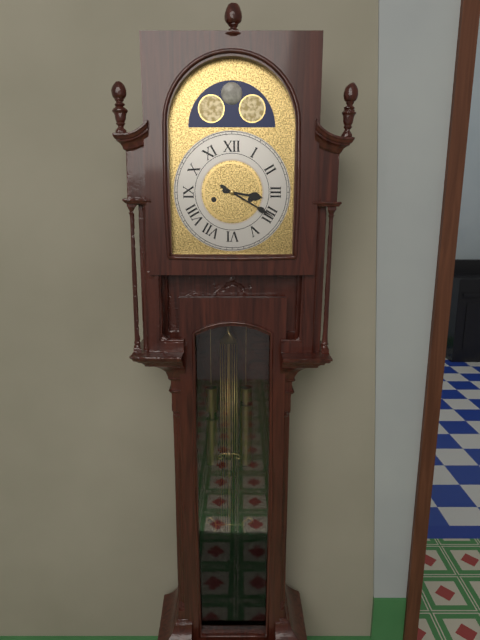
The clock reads 3,20
